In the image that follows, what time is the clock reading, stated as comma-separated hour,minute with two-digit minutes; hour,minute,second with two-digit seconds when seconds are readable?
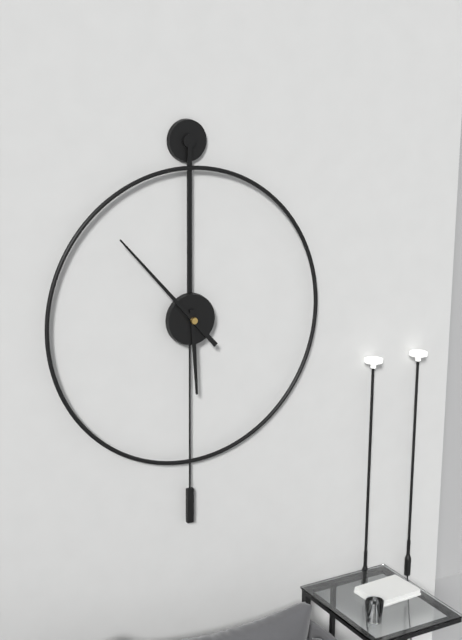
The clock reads 5,53
